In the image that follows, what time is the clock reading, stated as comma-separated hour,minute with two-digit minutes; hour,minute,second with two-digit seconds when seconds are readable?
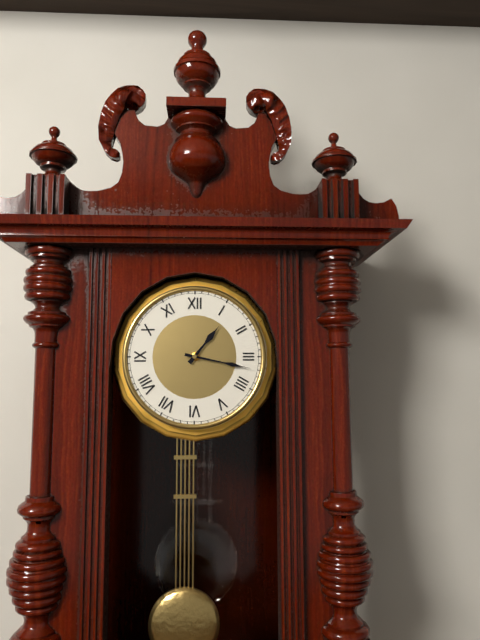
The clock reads 1,17
